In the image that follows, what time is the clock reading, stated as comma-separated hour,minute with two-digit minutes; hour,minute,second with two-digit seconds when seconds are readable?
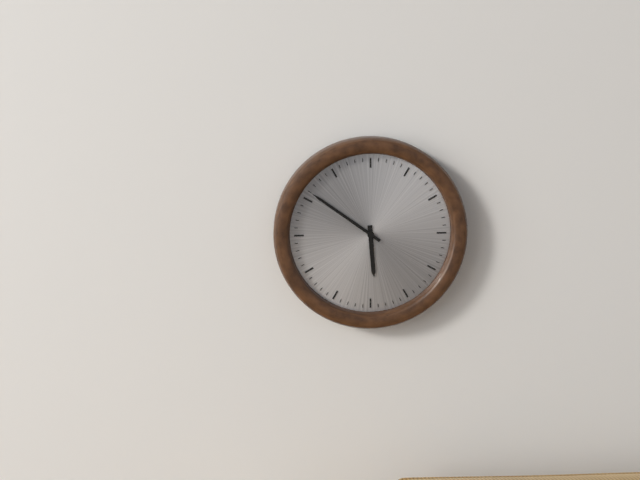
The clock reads 5,51
